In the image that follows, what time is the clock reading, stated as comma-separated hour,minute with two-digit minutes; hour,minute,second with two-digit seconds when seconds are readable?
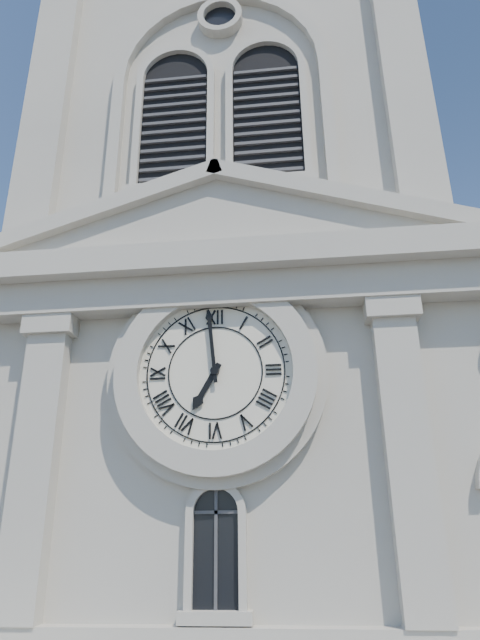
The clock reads 6,59
